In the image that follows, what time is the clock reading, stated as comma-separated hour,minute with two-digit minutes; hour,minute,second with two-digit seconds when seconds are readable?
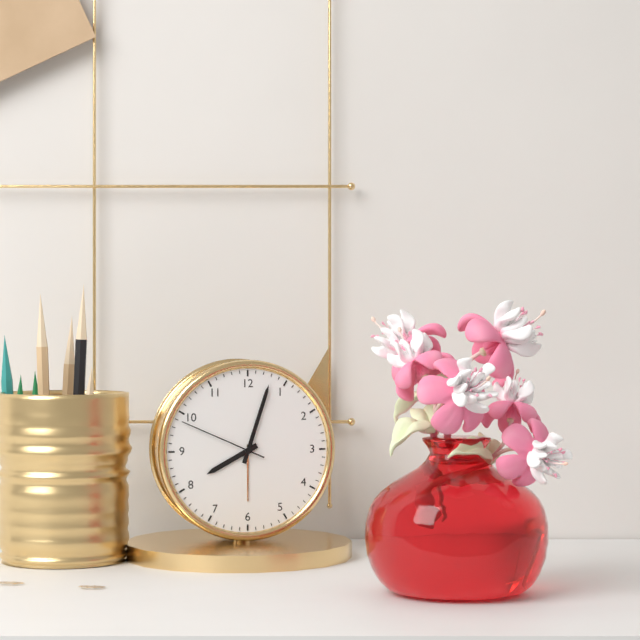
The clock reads 8,03,49
